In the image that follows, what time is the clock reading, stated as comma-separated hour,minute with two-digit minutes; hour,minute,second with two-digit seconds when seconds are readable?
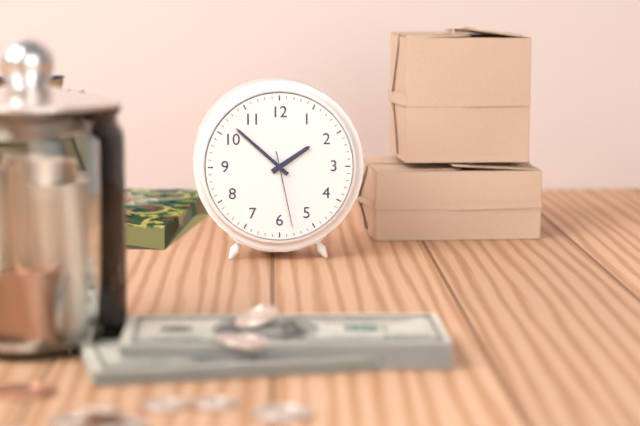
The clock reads 1,52,28
